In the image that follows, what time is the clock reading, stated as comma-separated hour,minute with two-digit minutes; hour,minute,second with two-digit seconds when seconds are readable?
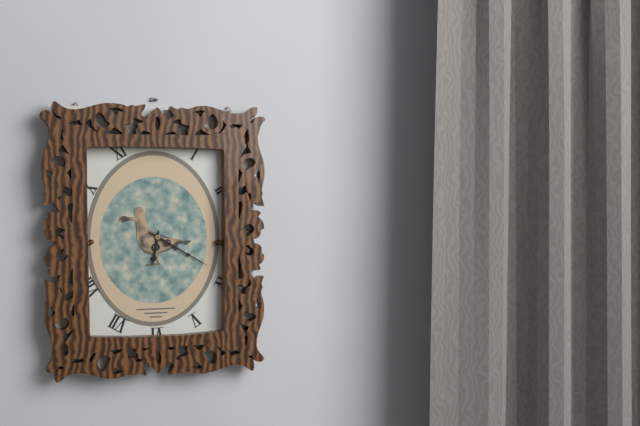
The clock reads 6,20
